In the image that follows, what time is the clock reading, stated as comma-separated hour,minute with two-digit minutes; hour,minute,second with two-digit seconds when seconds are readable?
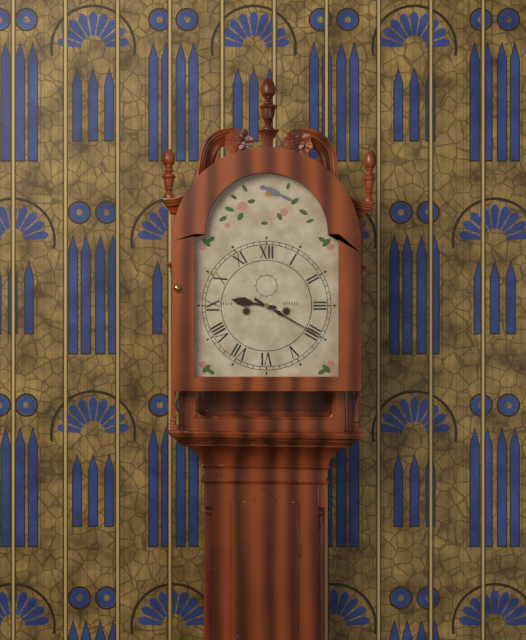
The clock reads 9,20
